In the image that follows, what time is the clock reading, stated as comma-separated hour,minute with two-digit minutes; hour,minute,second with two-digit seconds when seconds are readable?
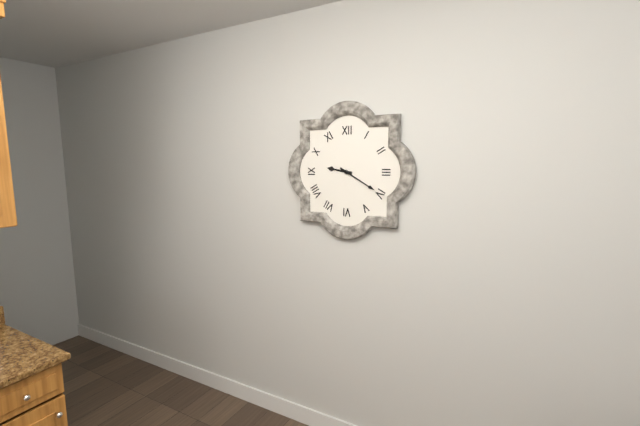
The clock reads 9,20
